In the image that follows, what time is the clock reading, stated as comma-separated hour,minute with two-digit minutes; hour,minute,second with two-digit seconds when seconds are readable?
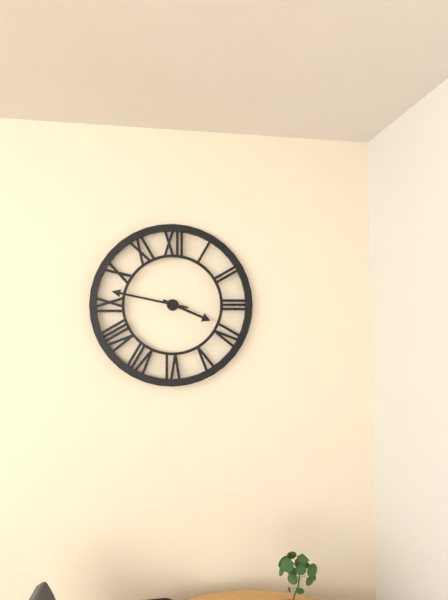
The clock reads 3,47
